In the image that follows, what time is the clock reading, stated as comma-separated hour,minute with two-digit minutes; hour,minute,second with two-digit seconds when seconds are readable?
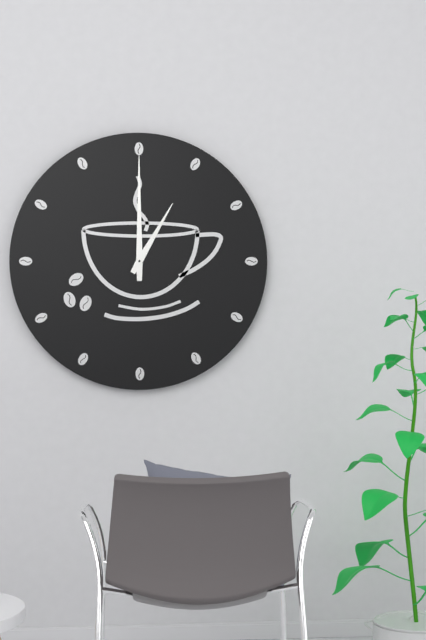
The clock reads 1,00
